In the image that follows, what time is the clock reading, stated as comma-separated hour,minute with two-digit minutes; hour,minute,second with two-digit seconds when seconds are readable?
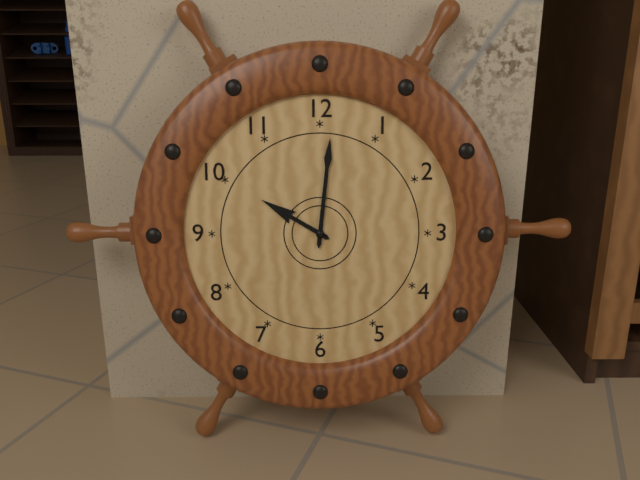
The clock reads 10,01
